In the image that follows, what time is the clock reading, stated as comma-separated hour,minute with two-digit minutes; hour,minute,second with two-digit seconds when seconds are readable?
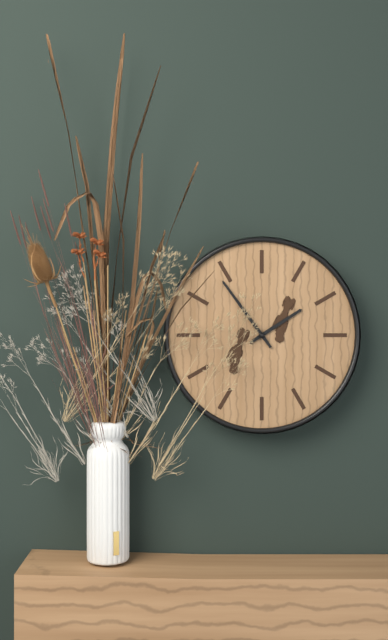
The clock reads 1,54
